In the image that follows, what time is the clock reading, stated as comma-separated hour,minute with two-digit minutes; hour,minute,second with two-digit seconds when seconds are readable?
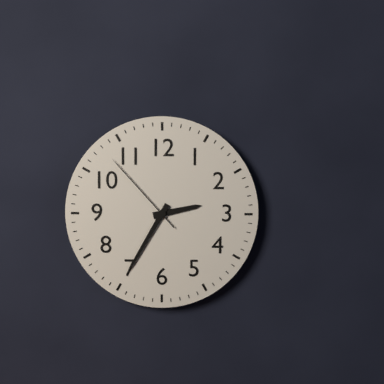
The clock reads 2,35,53
